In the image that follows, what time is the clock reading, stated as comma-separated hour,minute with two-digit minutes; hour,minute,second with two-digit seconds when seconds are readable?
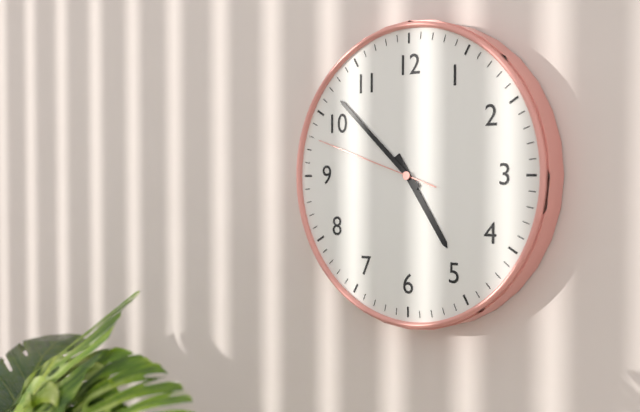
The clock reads 4,52,48
